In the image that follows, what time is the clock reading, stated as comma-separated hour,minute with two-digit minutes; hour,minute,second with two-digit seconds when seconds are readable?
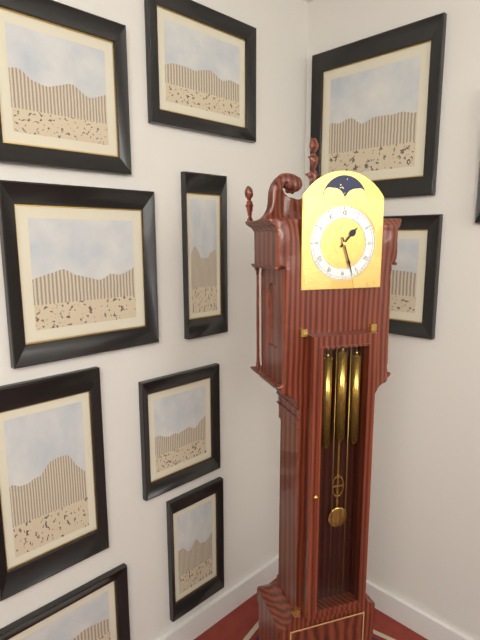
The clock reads 1,27
